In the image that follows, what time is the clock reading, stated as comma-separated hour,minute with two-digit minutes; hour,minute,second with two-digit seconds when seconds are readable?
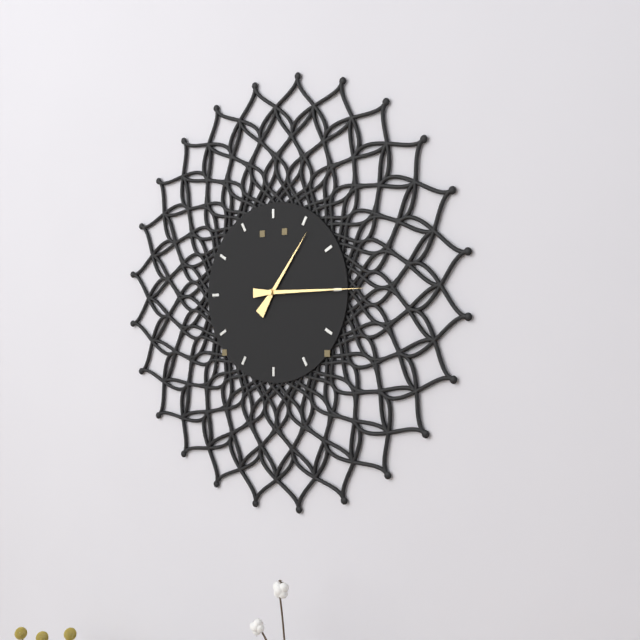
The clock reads 1,15
